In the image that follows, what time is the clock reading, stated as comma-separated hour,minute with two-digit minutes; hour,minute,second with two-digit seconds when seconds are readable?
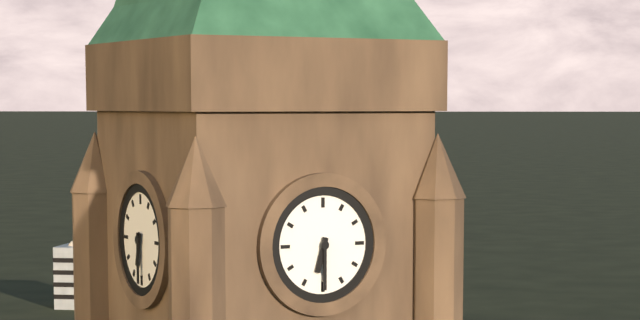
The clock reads 6,30
